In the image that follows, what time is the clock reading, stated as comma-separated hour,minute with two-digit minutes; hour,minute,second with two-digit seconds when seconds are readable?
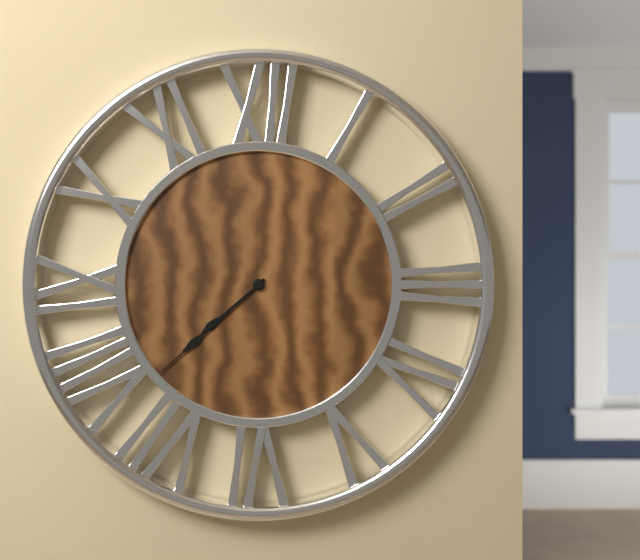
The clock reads 7,38
